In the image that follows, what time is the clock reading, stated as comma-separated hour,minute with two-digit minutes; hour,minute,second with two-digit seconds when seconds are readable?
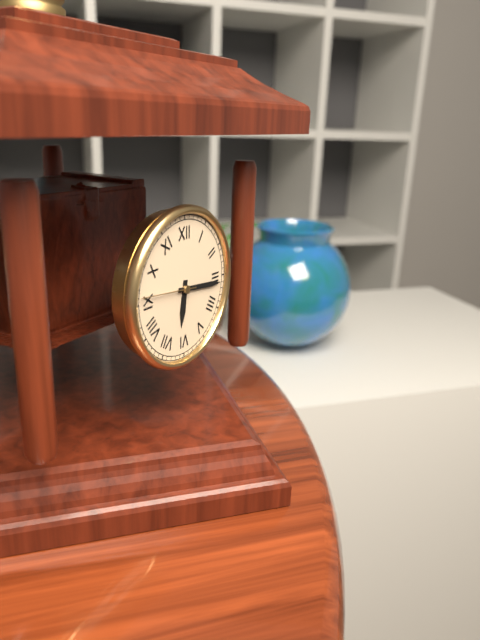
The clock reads 6,16
